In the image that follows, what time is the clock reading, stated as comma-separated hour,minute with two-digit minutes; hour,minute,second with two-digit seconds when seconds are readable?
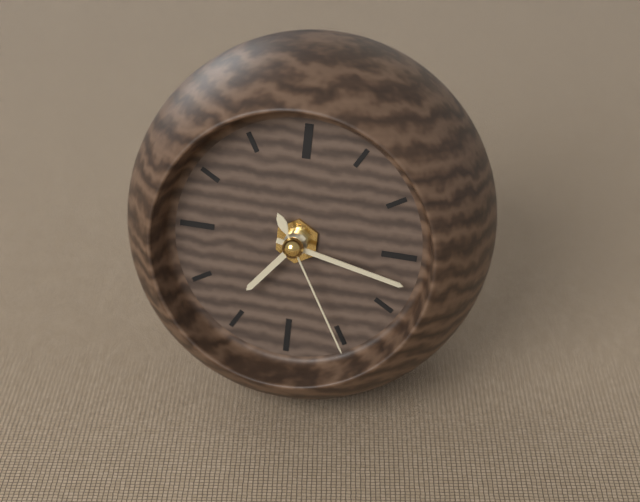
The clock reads 7,17,25
